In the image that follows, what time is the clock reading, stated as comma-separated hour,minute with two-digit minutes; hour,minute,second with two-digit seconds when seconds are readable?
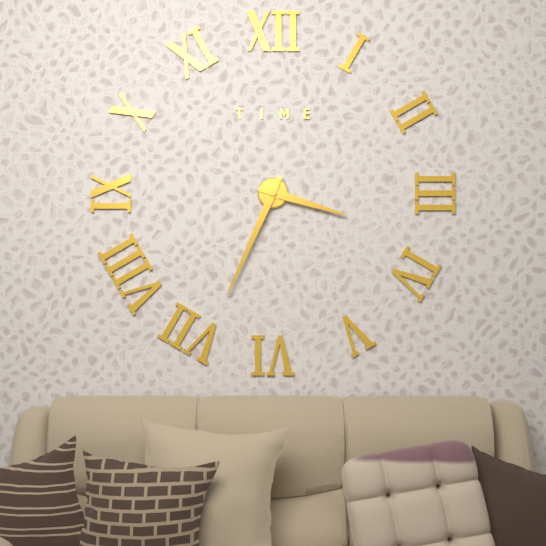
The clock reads 3,34
